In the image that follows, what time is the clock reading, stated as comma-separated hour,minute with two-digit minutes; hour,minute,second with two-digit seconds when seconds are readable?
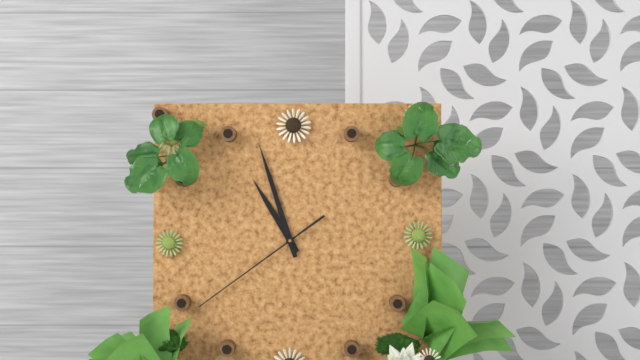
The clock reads 10,57,39
